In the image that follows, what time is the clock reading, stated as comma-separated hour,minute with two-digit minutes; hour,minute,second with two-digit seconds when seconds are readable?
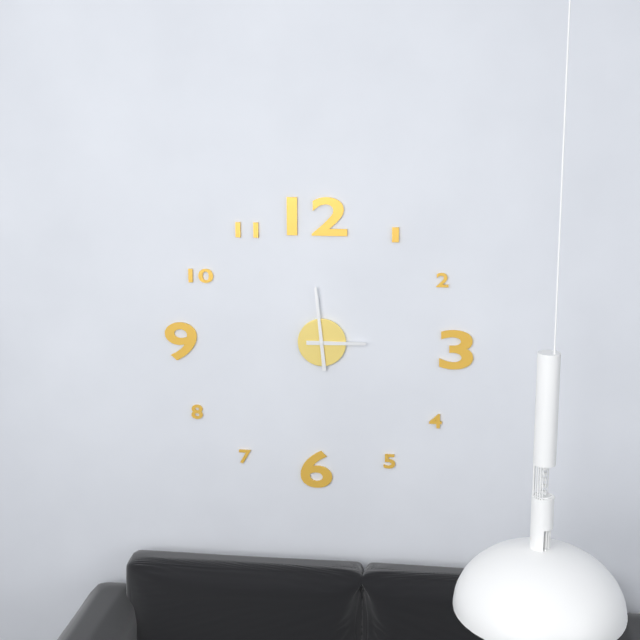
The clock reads 2,59
